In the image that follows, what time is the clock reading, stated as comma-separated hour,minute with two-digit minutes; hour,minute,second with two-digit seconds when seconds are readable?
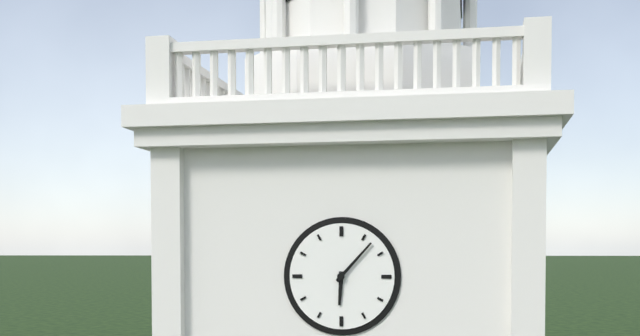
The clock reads 6,07
